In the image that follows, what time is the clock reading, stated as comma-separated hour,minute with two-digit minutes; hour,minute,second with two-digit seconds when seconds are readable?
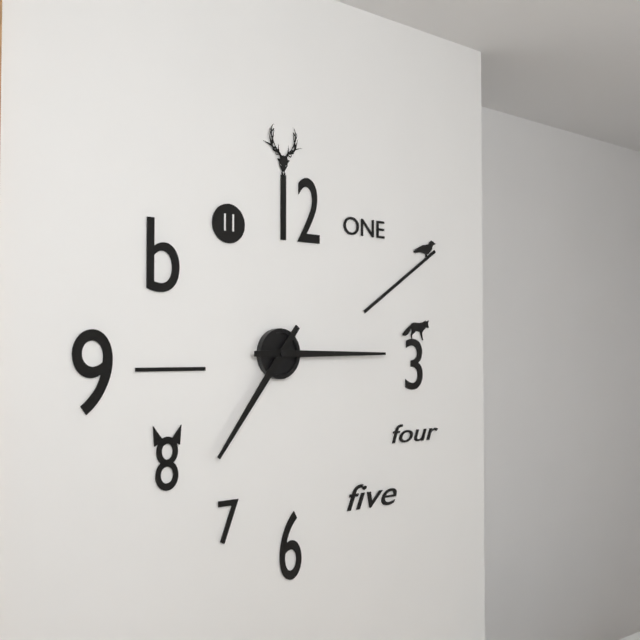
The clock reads 7,15
